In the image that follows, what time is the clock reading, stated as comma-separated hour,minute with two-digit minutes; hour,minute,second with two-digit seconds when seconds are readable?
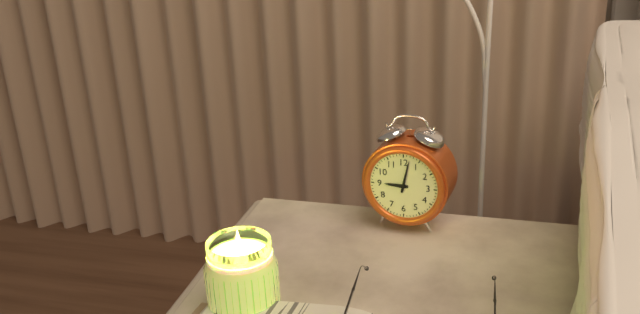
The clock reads 9,02
